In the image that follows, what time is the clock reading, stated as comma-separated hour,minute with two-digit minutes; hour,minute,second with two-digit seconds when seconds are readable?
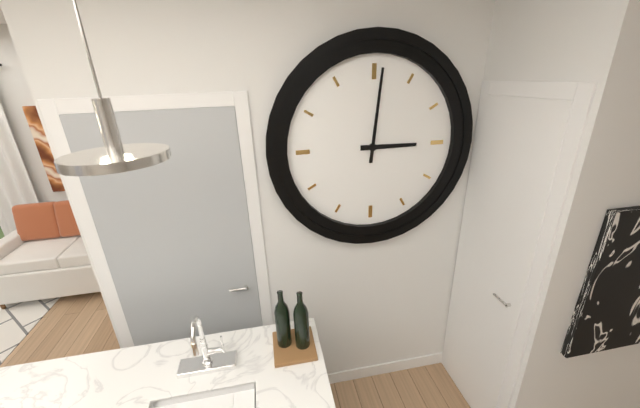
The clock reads 3,01
